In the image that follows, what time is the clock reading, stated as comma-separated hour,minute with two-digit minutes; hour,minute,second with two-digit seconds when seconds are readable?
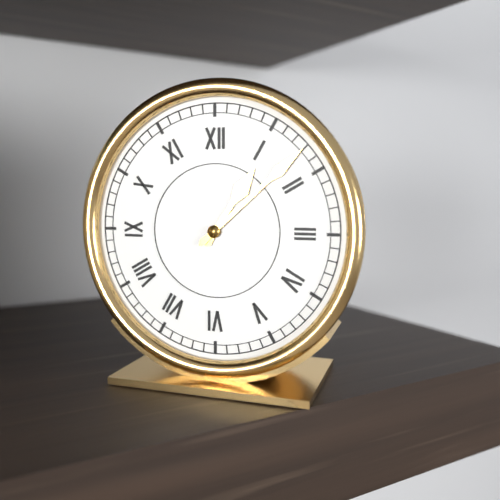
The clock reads 1,08
